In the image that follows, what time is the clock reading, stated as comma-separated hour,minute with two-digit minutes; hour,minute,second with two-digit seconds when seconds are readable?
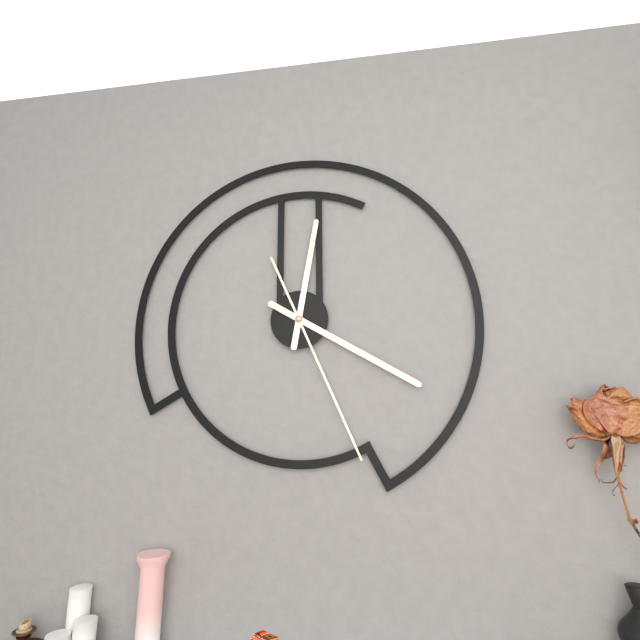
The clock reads 12,20,26
